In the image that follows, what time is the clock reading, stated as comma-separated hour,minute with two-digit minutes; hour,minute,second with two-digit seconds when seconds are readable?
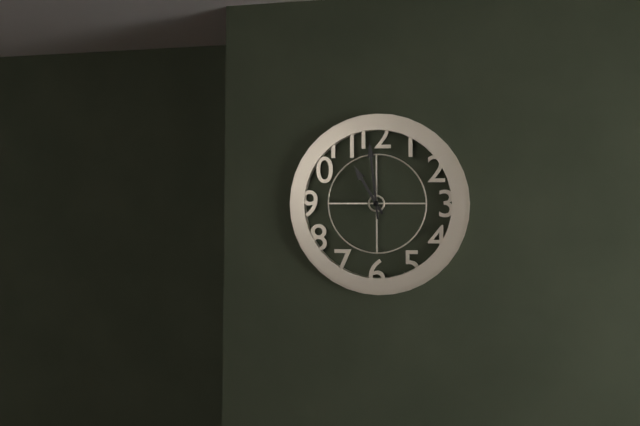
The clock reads 10,59
